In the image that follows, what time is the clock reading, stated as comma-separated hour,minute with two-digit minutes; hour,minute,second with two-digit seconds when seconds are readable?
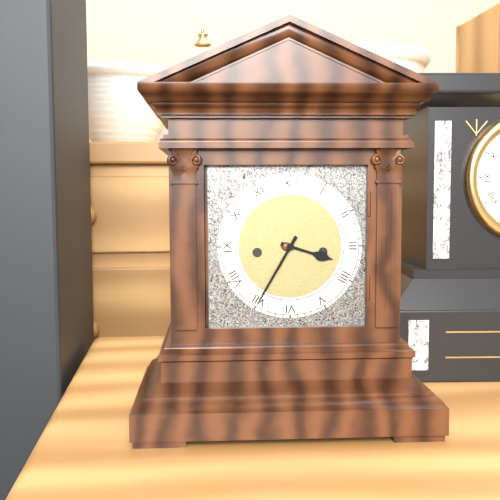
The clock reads 3,35
